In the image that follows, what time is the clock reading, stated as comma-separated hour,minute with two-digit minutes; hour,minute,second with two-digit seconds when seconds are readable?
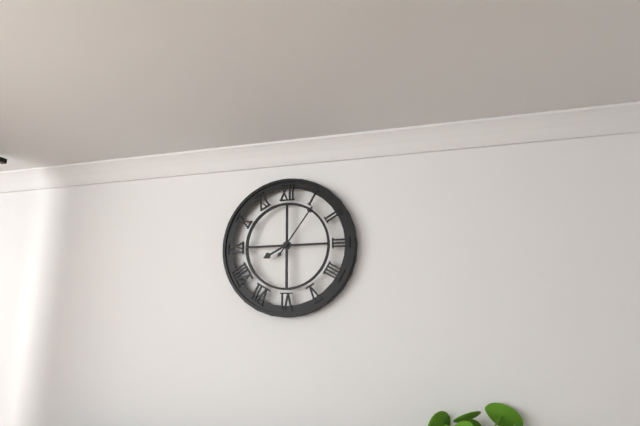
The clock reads 8,06
